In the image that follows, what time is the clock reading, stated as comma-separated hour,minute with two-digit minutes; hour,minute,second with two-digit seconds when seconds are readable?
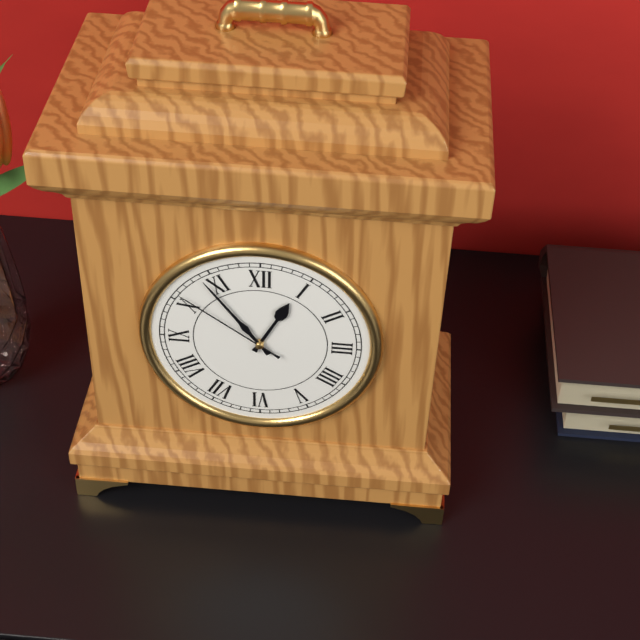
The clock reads 12,54,51
